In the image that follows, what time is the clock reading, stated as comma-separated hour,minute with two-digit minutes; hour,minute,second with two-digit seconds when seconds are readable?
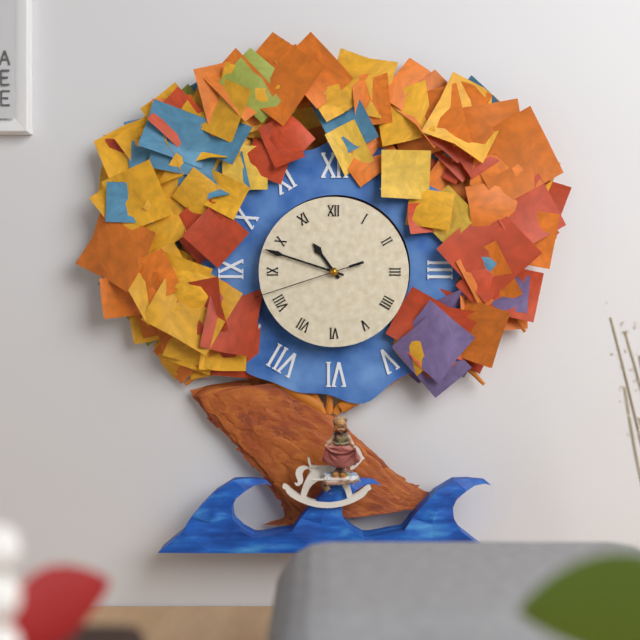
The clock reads 10,48,42
